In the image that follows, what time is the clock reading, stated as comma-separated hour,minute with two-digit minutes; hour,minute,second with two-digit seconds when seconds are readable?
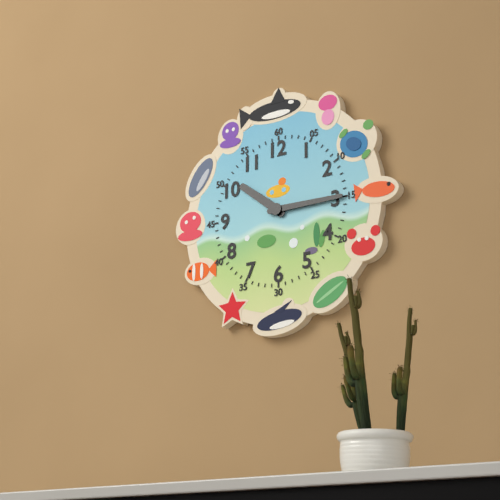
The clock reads 10,15
